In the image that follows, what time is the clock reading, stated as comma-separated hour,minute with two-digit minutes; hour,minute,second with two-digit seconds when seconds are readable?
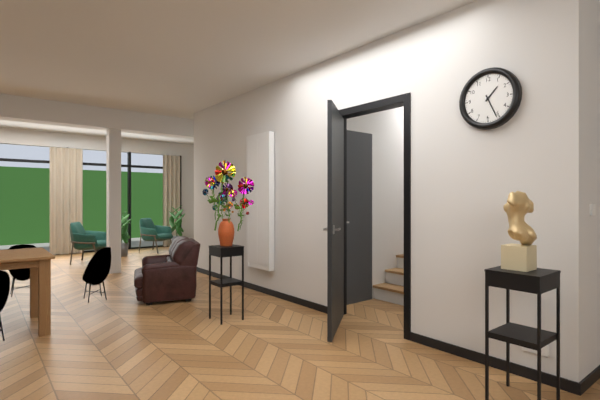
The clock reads 1,26
